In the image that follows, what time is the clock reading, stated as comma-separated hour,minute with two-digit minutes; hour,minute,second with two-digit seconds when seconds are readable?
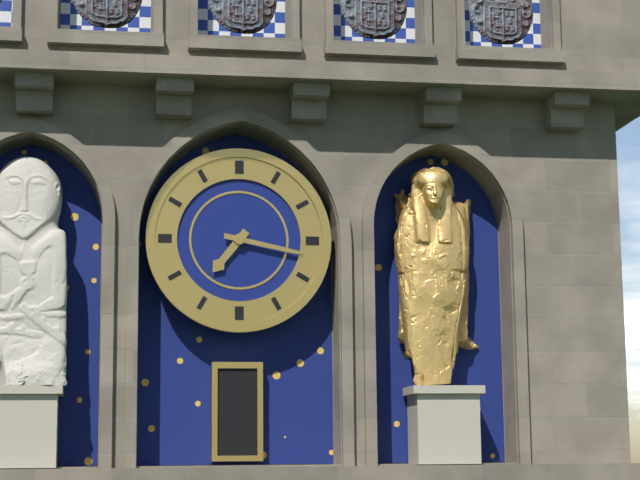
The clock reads 7,17
